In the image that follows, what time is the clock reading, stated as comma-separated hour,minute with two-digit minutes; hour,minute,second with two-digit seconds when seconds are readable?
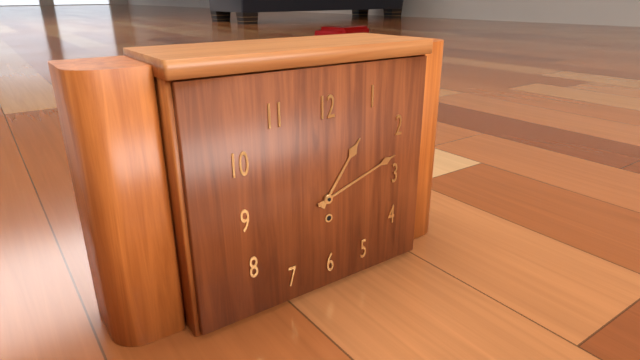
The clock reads 1,12
